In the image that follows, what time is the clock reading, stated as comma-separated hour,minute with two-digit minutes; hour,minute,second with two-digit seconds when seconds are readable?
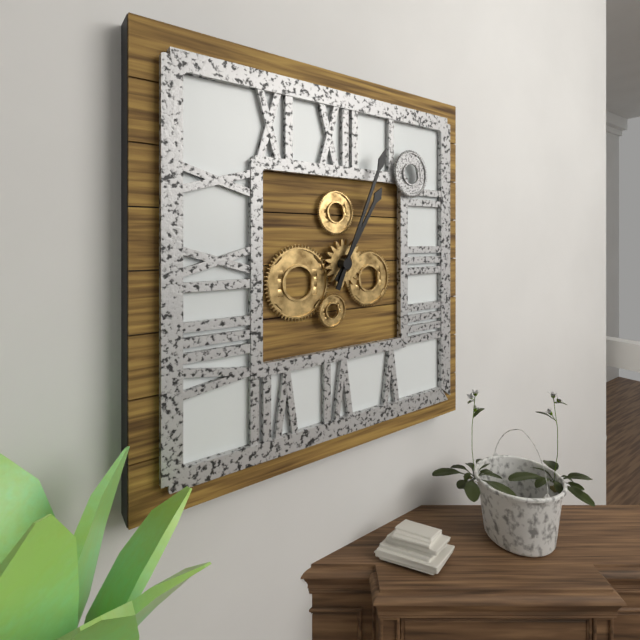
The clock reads 1,04
